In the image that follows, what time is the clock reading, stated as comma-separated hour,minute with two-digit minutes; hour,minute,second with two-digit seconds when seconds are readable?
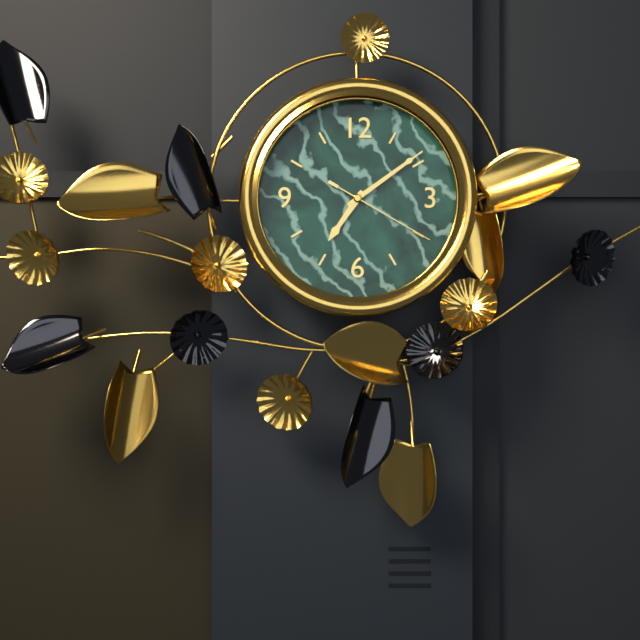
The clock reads 7,09,20
